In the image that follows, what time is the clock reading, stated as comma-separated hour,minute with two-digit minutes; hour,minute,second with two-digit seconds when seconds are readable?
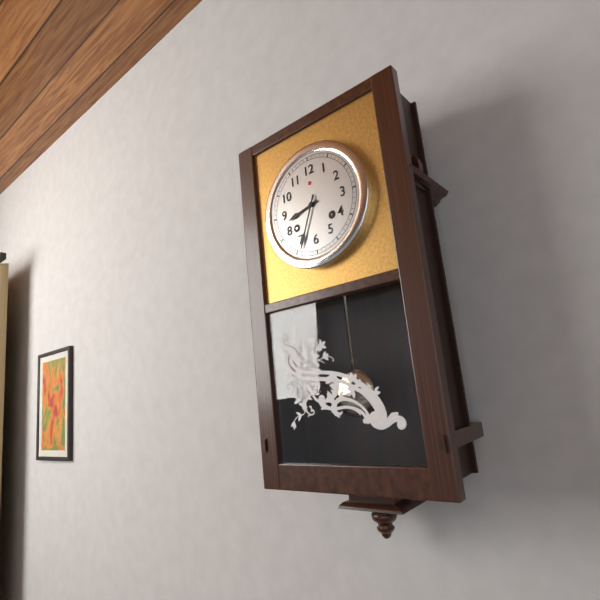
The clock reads 8,34
